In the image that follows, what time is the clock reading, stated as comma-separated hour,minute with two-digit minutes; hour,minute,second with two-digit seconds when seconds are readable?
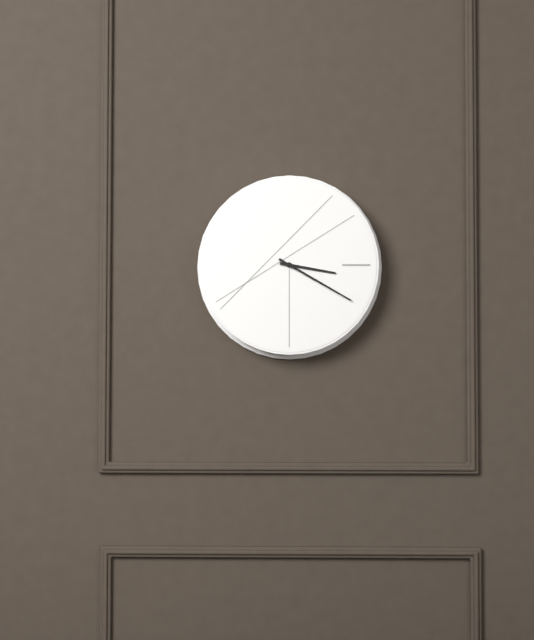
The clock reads 3,20
